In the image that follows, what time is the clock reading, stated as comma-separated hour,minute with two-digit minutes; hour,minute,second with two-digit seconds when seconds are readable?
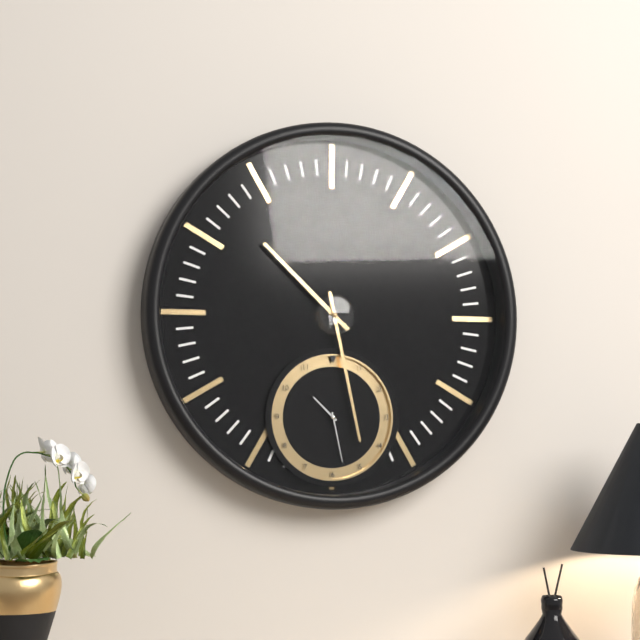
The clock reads 10,28
